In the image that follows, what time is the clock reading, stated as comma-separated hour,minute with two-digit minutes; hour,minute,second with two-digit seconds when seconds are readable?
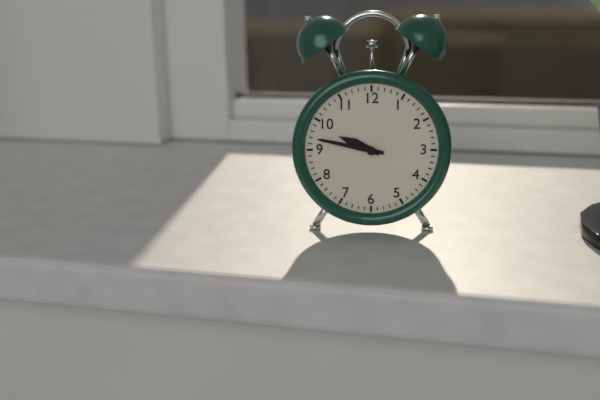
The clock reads 9,47
